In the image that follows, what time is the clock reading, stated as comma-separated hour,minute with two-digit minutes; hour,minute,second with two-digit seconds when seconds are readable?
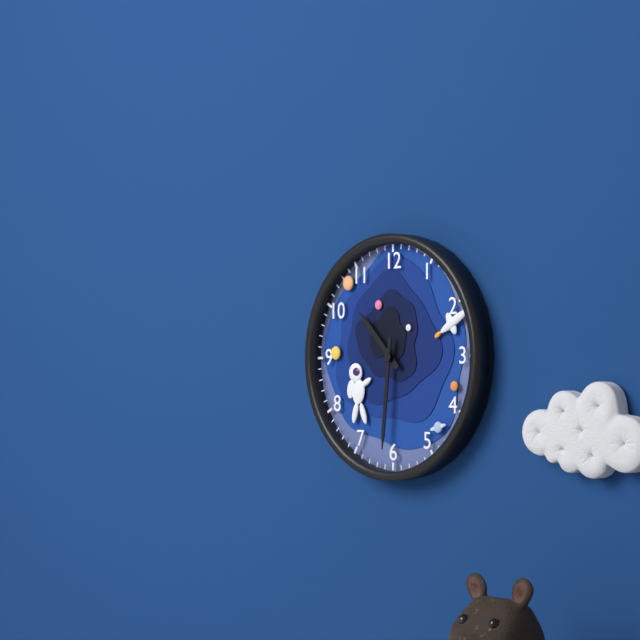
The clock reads 10,31
